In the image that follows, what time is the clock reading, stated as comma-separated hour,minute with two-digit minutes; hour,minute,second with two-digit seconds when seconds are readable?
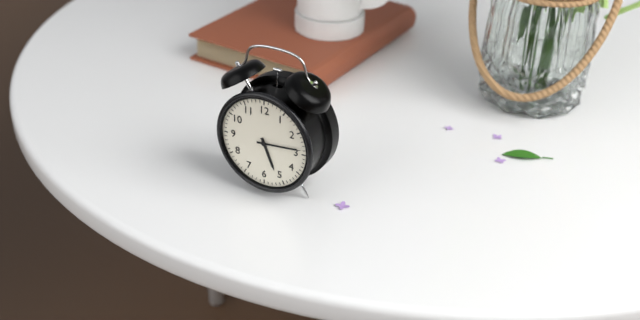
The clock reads 5,14
